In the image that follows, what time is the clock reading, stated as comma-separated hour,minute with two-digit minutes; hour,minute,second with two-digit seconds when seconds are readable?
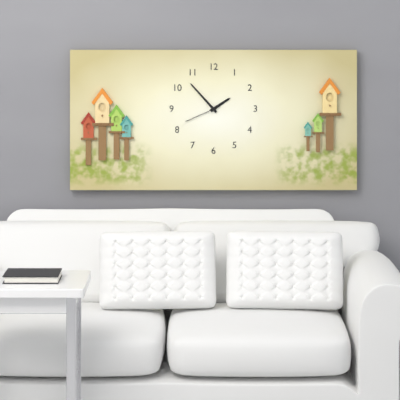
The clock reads 1,53
